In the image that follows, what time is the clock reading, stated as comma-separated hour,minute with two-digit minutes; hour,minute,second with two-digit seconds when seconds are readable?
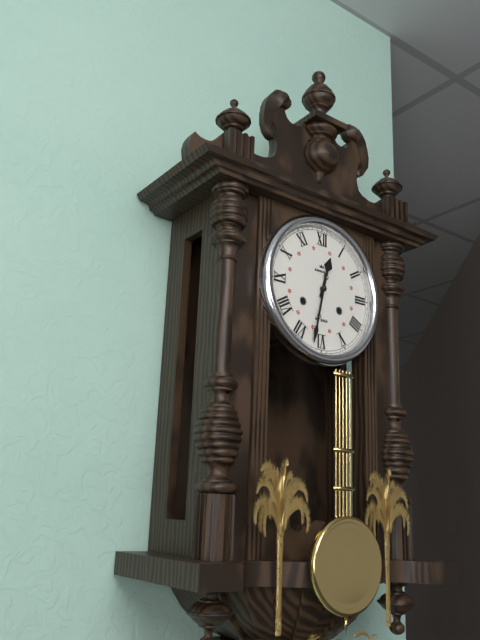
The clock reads 12,32
